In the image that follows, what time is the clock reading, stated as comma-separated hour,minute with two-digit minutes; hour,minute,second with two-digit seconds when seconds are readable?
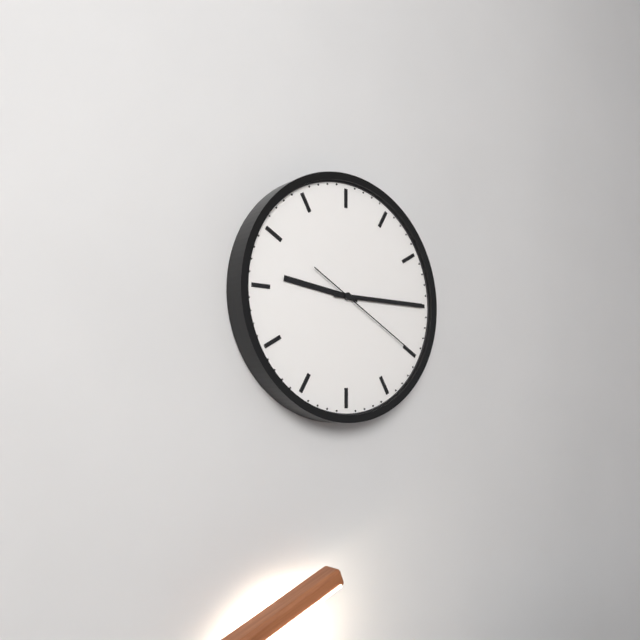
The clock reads 9,15,20
